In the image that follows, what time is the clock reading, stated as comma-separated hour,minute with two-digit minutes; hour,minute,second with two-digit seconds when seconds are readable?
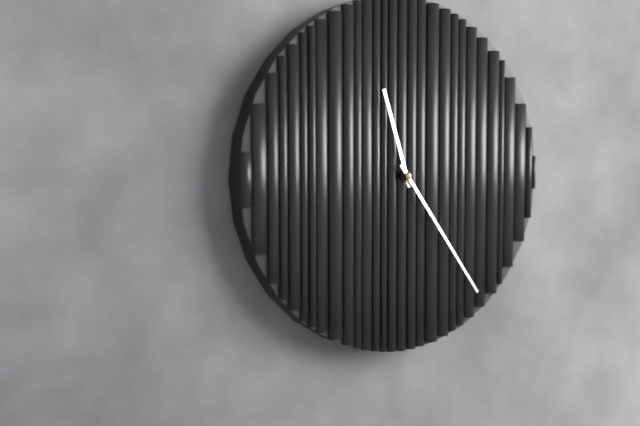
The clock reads 11,24
